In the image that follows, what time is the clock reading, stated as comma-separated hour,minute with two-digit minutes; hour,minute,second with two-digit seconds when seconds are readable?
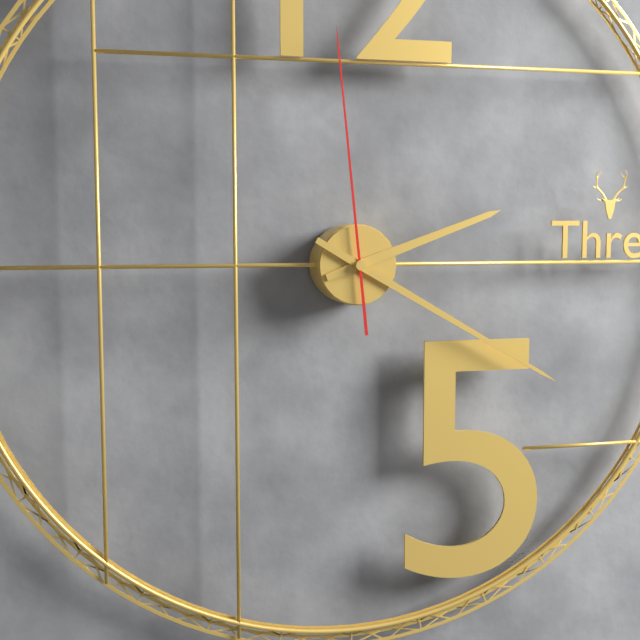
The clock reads 2,20,59
